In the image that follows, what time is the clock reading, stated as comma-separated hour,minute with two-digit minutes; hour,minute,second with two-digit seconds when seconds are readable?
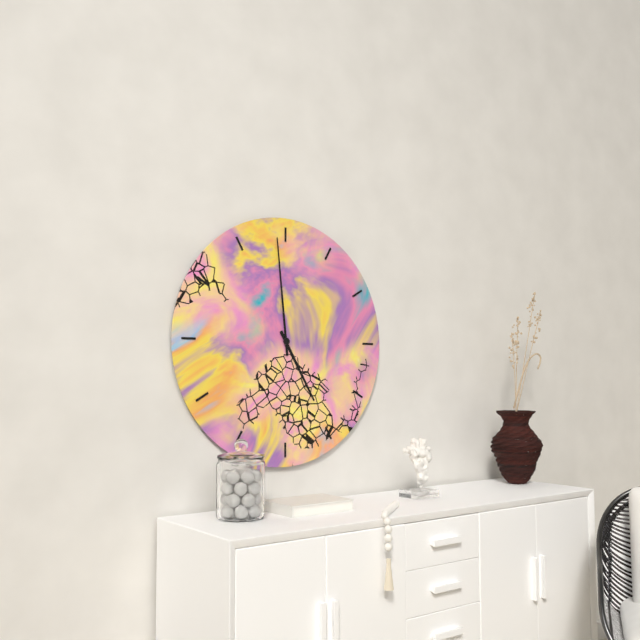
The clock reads 4,59
